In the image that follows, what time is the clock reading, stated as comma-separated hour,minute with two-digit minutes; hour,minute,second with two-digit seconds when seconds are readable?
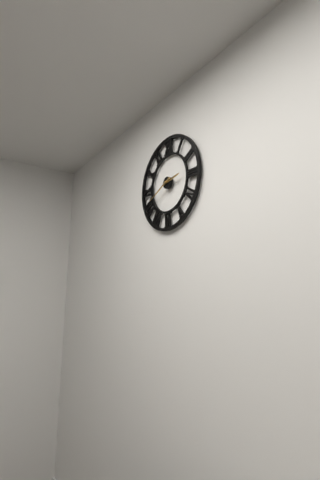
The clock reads 2,41
